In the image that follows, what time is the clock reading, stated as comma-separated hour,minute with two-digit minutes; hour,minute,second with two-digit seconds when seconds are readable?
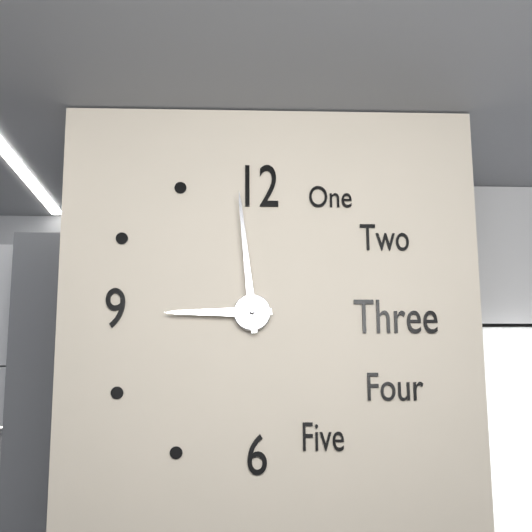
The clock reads 8,59
